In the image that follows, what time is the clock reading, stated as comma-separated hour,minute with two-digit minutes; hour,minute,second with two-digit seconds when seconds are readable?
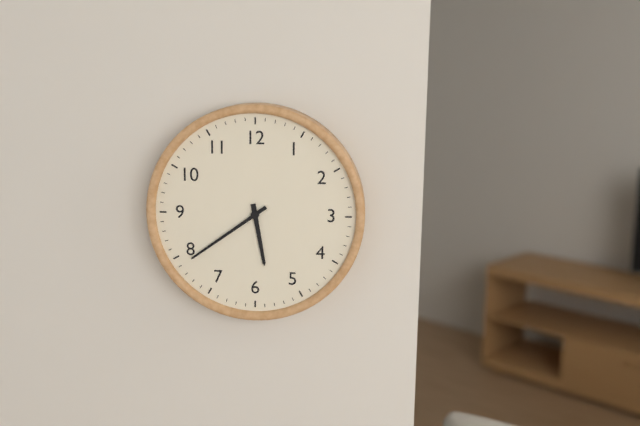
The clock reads 5,39
